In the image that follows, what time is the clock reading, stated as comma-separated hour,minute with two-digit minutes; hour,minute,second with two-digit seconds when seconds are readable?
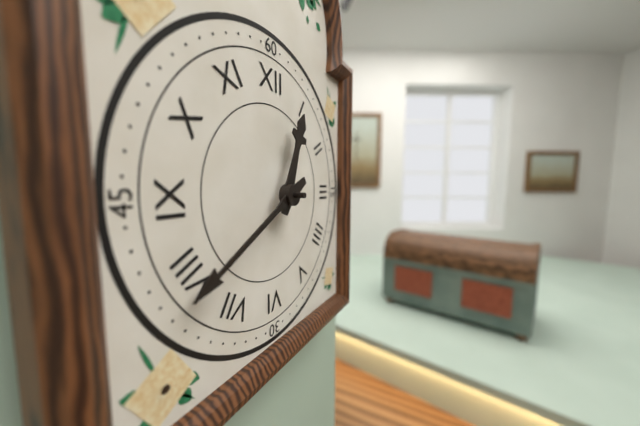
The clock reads 12,40
